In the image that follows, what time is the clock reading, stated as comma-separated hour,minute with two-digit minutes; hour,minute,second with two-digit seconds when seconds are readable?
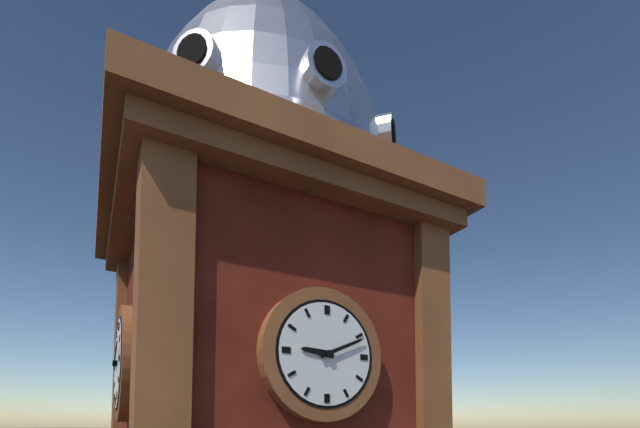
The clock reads 9,11
